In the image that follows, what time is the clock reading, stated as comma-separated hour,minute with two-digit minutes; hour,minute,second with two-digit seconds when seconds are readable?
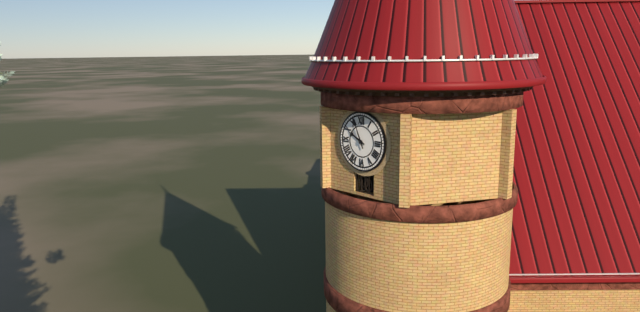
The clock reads 9,56
